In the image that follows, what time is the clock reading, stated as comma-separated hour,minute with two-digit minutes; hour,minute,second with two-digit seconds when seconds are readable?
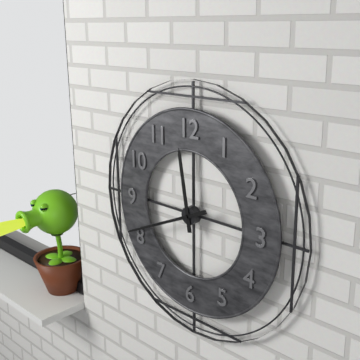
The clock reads 11,41
